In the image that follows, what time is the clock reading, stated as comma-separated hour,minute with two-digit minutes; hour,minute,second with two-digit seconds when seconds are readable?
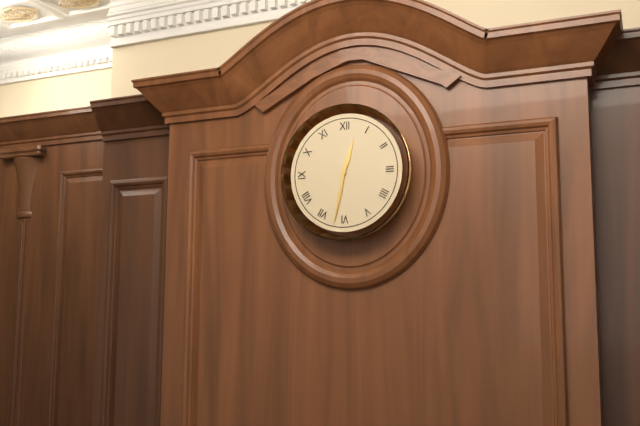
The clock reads 12,32
